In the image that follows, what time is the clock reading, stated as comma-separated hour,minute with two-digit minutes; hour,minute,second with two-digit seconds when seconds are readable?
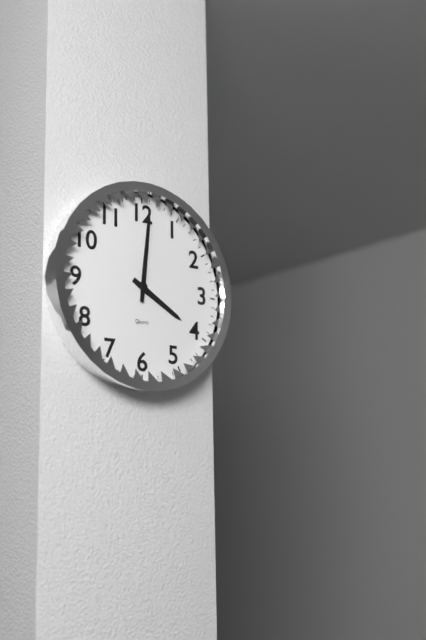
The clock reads 4,01
